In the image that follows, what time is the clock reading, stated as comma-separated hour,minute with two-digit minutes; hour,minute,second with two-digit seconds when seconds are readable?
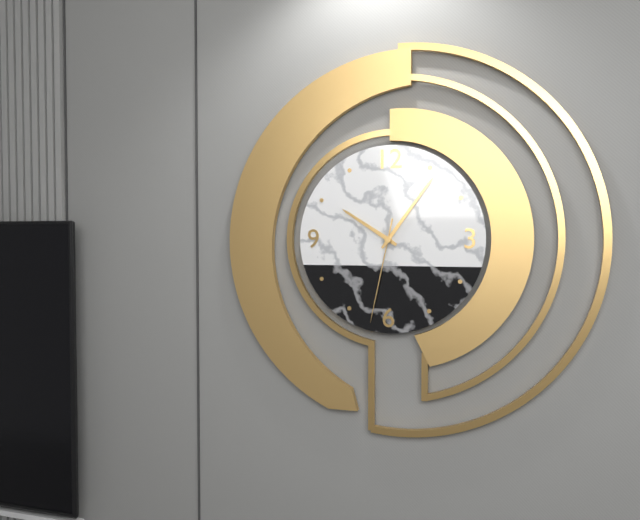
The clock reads 10,06,32
